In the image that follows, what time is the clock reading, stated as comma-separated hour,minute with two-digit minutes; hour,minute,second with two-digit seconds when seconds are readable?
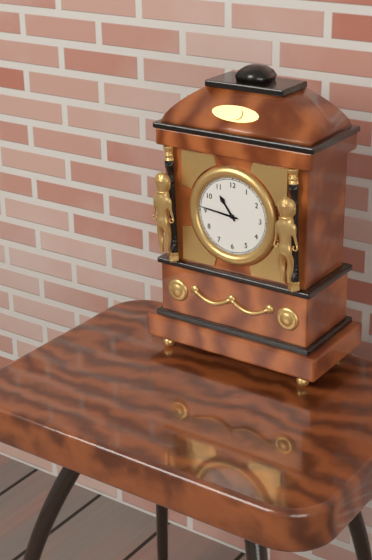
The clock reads 10,46
